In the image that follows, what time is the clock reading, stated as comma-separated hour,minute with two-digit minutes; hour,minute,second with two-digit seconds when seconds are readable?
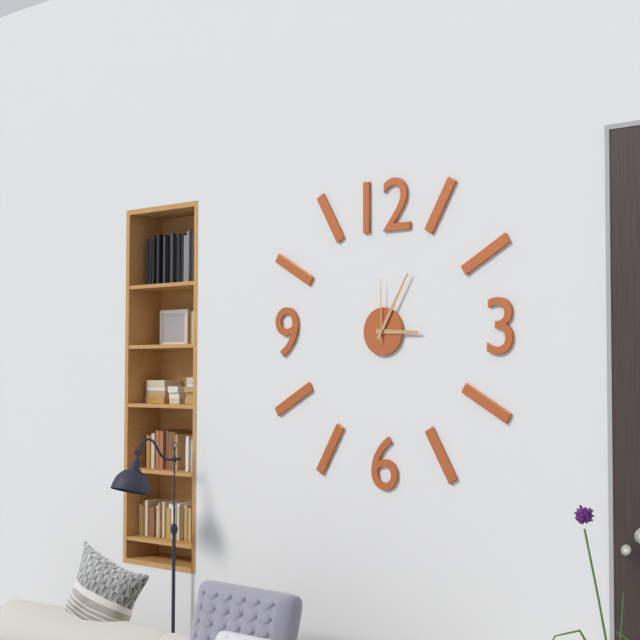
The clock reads 3,05,00
